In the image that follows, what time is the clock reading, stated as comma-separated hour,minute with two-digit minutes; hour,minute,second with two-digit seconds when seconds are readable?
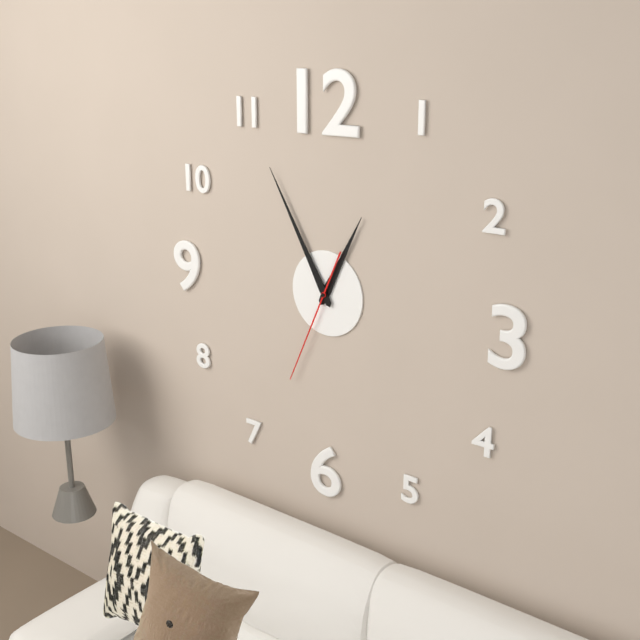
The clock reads 12,55,34
